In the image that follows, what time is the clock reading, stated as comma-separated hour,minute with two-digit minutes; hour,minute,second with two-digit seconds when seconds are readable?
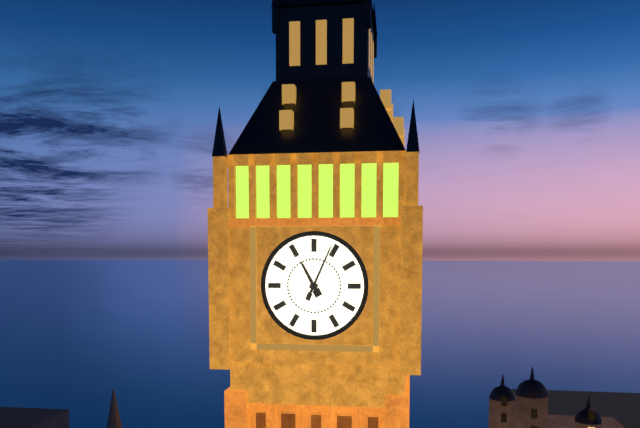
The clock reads 11,04
